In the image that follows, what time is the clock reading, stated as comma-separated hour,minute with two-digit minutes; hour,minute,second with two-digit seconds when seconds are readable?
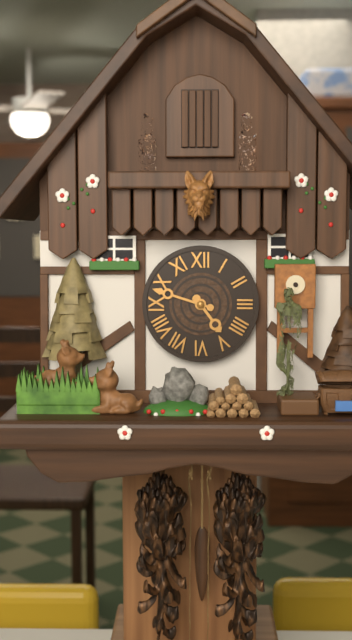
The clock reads 4,48
